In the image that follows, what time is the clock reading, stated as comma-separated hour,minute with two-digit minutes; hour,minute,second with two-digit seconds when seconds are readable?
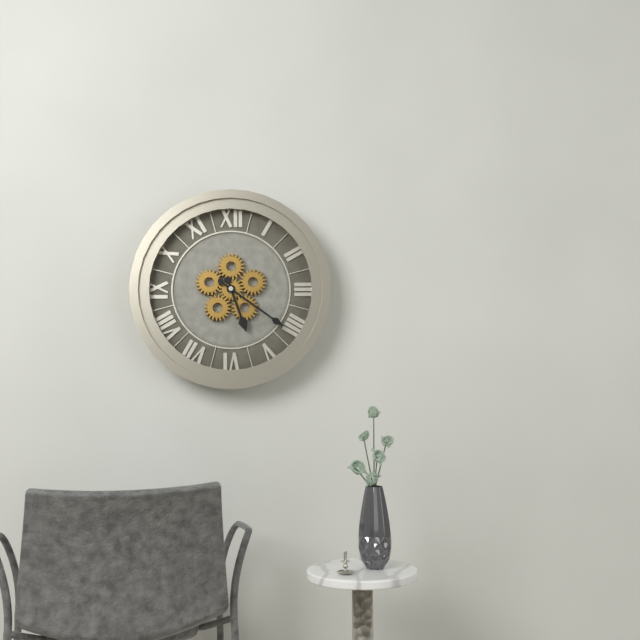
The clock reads 5,21
